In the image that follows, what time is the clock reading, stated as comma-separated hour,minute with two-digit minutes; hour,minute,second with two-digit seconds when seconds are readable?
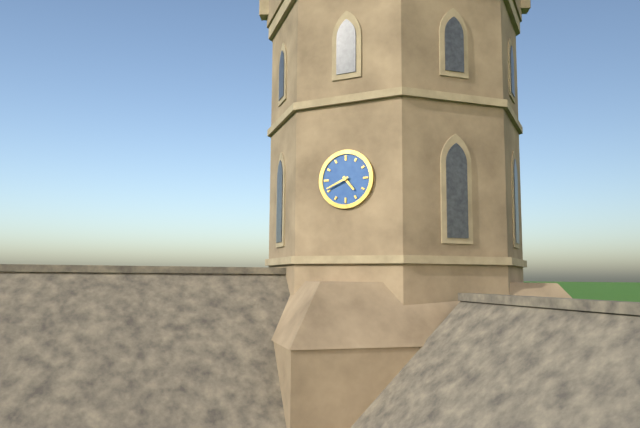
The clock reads 4,41
